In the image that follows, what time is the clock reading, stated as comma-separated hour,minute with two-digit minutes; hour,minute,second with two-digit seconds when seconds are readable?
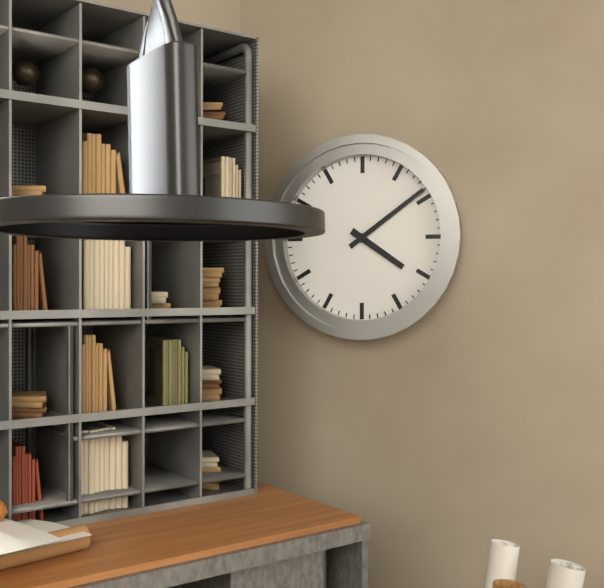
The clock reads 4,09
